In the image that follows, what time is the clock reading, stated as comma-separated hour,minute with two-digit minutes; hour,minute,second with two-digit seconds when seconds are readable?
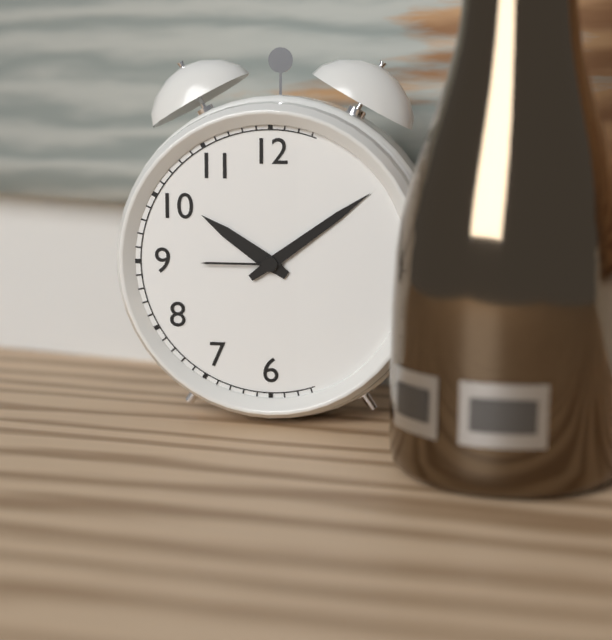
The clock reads 10,09
